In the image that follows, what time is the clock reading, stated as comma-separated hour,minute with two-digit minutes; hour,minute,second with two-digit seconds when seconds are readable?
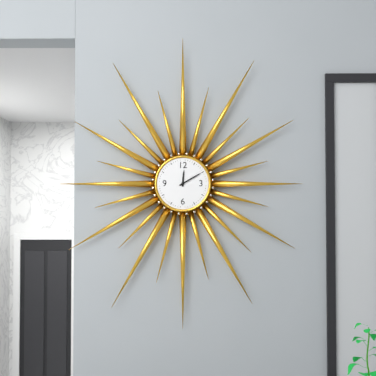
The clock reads 12,10
